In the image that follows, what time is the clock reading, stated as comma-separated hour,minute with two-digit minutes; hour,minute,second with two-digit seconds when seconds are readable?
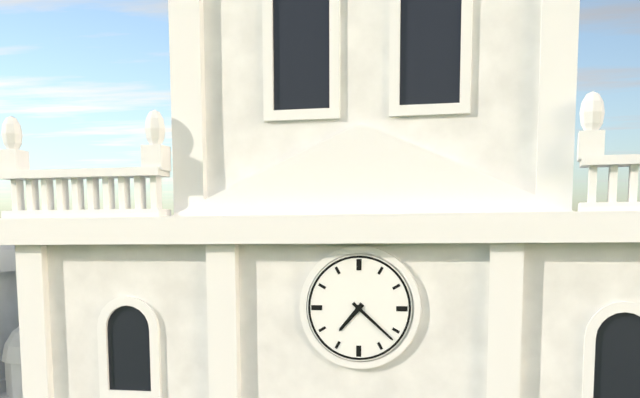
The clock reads 7,22
